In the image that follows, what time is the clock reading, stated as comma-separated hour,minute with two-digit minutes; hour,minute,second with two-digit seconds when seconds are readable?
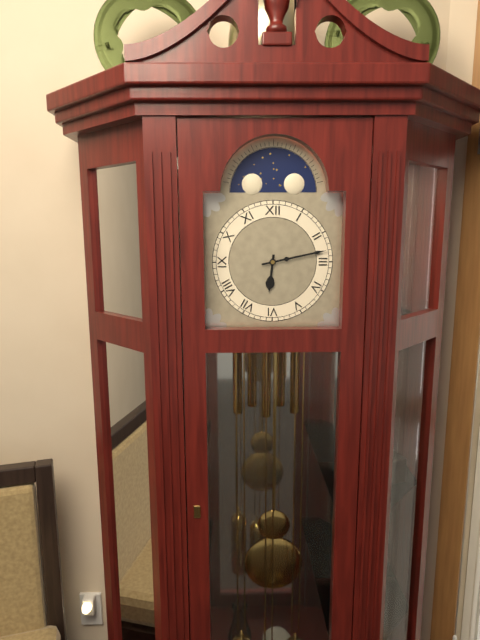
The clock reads 6,13
